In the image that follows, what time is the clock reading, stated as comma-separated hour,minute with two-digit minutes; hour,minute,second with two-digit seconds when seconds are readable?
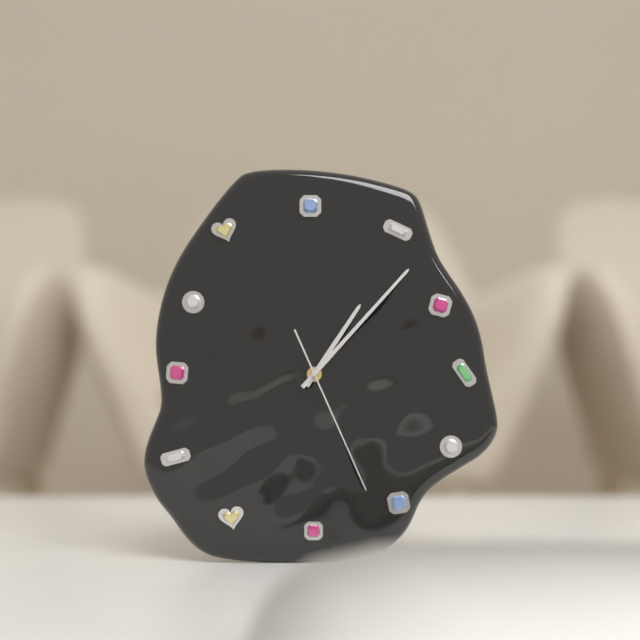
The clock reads 1,07,26
